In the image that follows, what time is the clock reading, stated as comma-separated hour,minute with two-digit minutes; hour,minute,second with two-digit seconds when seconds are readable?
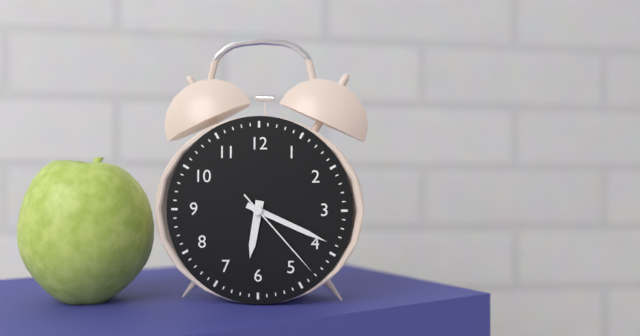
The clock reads 6,19,23
